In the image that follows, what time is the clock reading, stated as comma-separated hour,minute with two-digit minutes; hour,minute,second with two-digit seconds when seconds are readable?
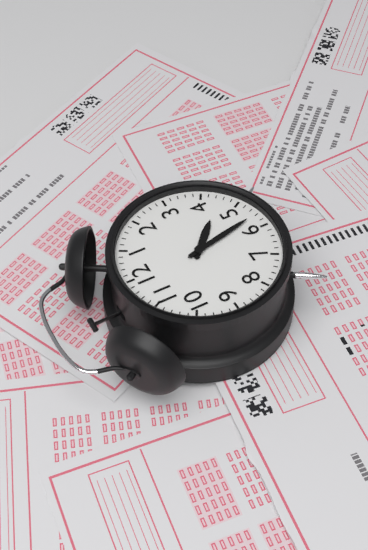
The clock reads 4,28
